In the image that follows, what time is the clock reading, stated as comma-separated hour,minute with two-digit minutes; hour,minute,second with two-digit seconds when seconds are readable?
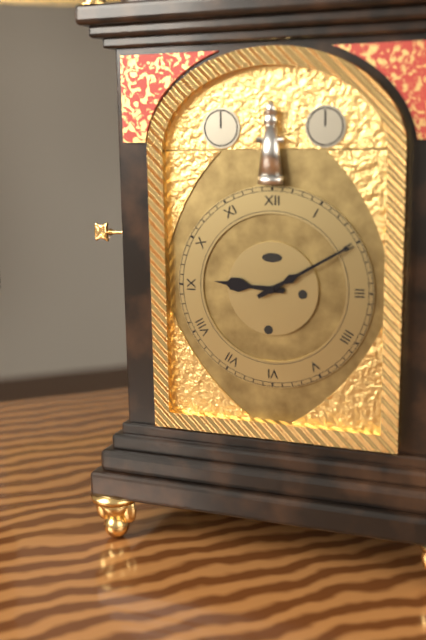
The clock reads 9,10
